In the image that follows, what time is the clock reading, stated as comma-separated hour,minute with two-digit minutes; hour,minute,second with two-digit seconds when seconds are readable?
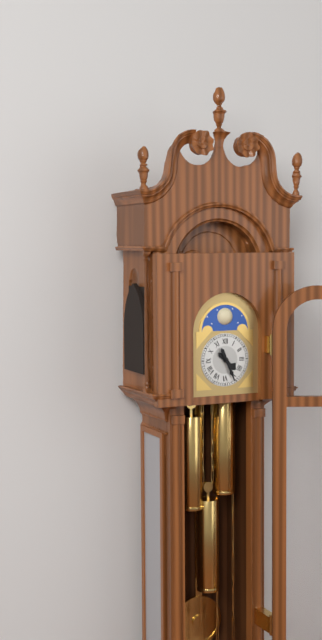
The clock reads 4,26
